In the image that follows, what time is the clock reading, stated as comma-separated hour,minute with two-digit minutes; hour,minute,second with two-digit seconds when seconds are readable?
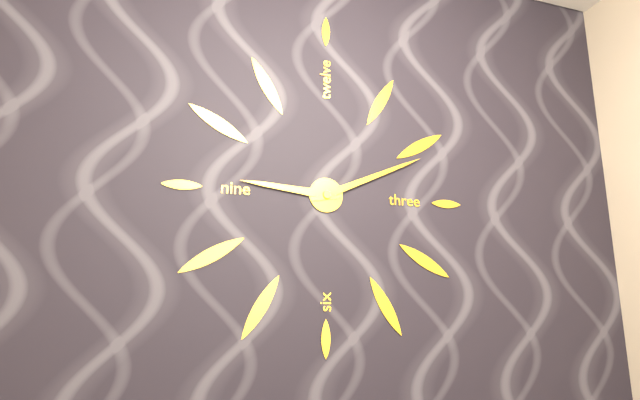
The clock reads 9,11
